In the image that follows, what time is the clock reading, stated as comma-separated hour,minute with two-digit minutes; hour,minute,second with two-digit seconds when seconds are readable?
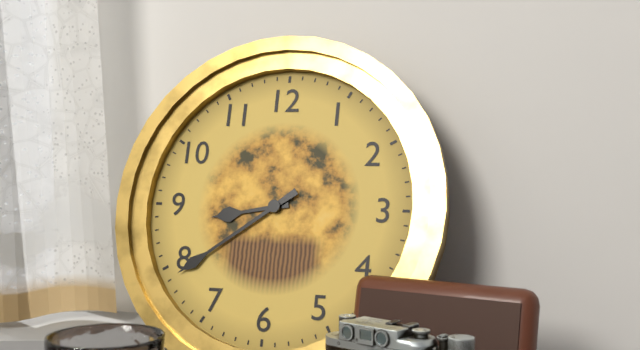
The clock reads 8,39
